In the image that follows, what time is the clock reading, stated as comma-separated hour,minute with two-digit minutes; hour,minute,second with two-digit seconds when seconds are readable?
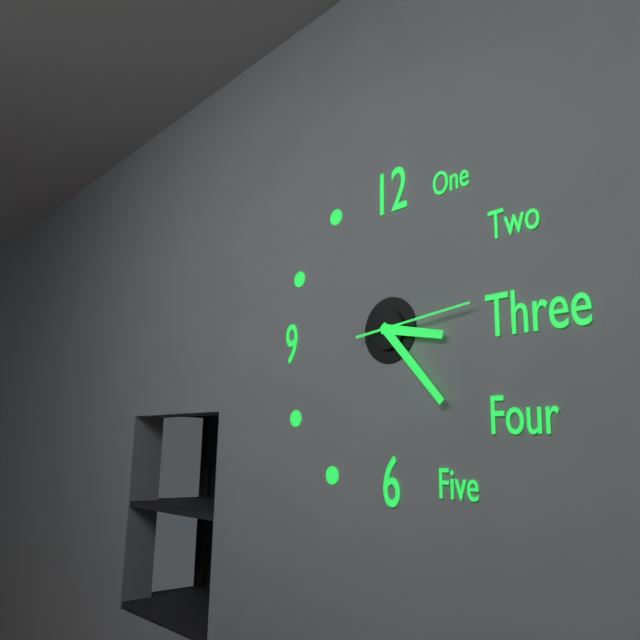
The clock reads 3,23,14
